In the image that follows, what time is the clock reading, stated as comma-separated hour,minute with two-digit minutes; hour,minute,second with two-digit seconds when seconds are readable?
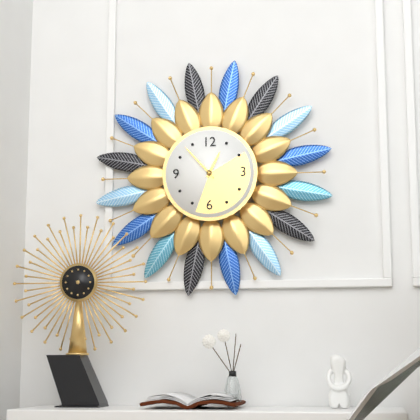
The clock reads 12,53
